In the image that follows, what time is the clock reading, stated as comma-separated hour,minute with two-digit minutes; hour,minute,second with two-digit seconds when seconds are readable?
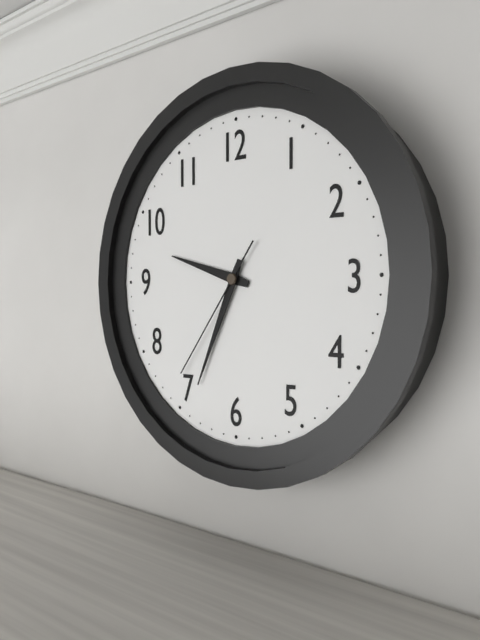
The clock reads 9,34,36
